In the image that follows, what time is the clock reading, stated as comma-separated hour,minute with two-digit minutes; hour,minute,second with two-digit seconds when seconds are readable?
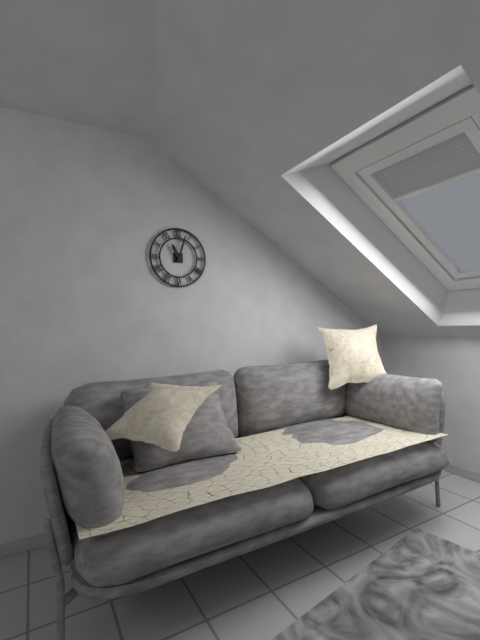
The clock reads 11,03
